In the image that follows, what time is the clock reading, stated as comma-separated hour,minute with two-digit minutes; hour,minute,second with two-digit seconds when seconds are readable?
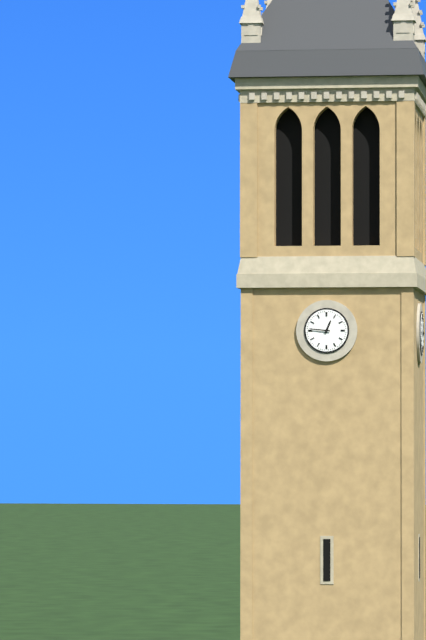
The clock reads 12,46
